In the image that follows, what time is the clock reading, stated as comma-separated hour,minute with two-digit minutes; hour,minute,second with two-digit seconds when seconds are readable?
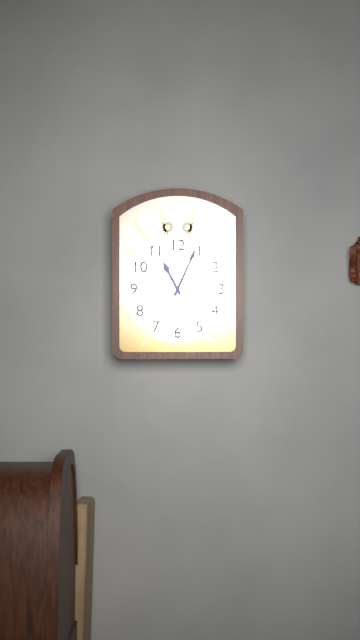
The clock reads 11,04
